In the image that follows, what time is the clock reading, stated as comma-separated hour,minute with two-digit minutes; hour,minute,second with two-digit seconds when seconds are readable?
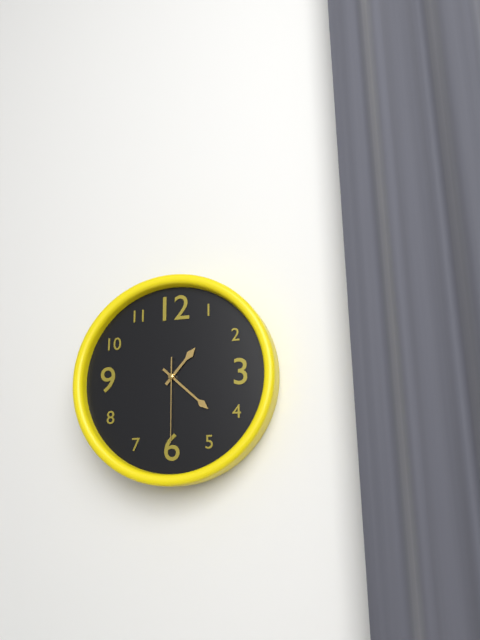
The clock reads 1,22,30
